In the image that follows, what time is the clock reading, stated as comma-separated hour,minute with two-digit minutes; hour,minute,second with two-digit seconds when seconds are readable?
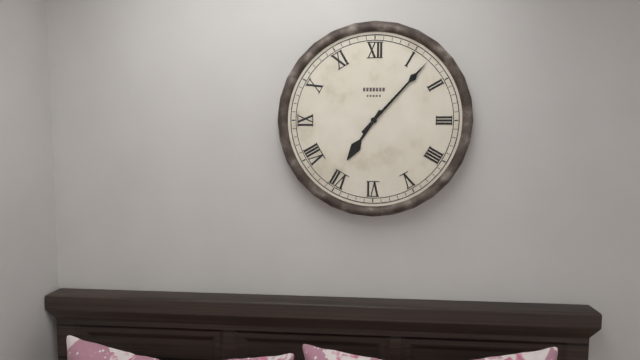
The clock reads 7,07
